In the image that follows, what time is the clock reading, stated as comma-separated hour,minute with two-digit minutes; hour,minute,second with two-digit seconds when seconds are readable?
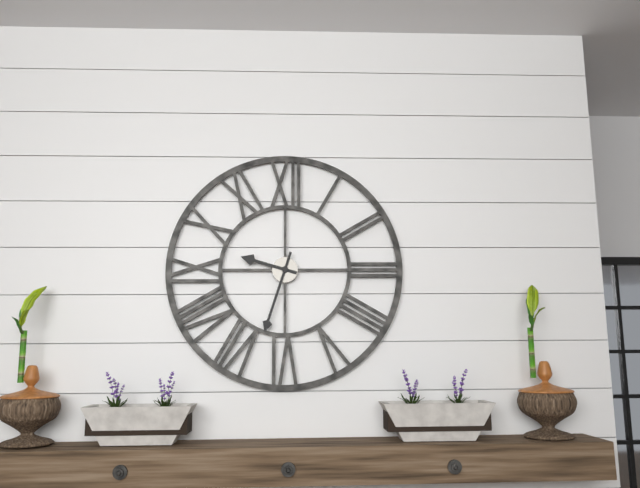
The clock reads 9,33
